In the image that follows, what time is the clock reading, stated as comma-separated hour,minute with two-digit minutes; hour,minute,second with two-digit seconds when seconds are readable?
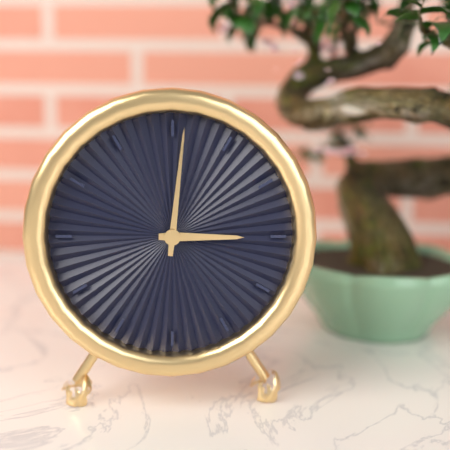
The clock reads 3,01
